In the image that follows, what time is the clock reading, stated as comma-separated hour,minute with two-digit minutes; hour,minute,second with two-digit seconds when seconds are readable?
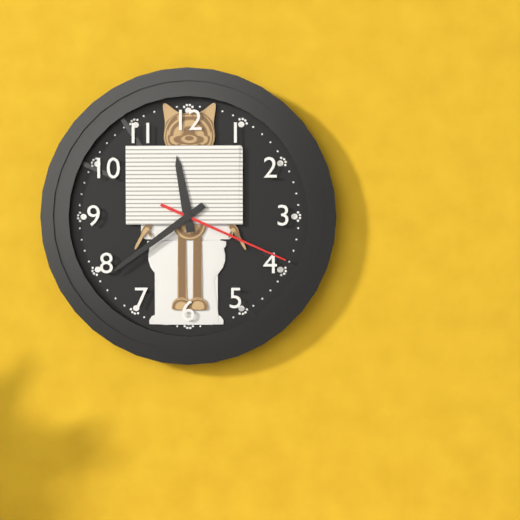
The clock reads 11,39,19
